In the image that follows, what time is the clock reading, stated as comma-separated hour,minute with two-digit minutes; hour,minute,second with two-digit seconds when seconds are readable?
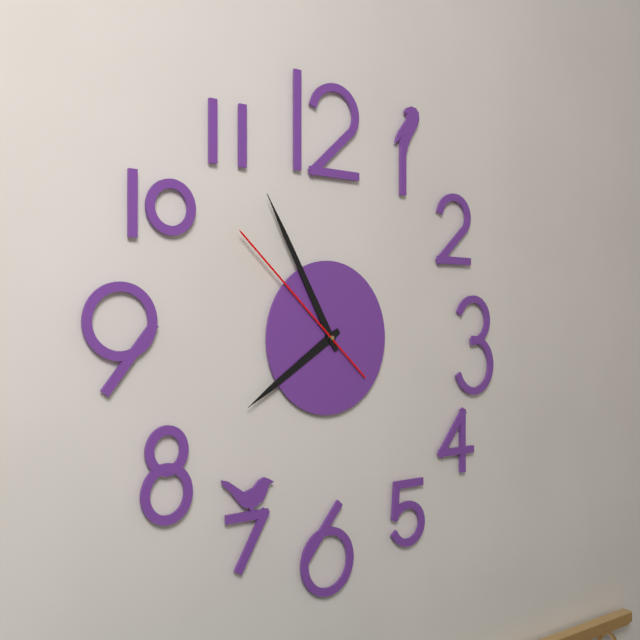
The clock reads 7,55,52
